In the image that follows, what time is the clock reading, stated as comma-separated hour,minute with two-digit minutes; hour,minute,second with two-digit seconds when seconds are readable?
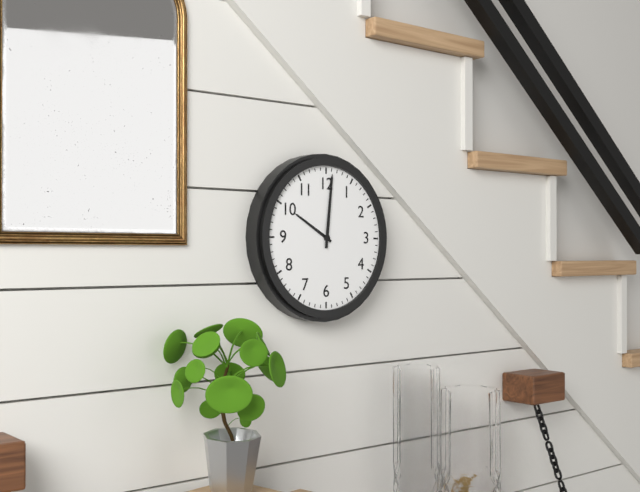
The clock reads 10,01
